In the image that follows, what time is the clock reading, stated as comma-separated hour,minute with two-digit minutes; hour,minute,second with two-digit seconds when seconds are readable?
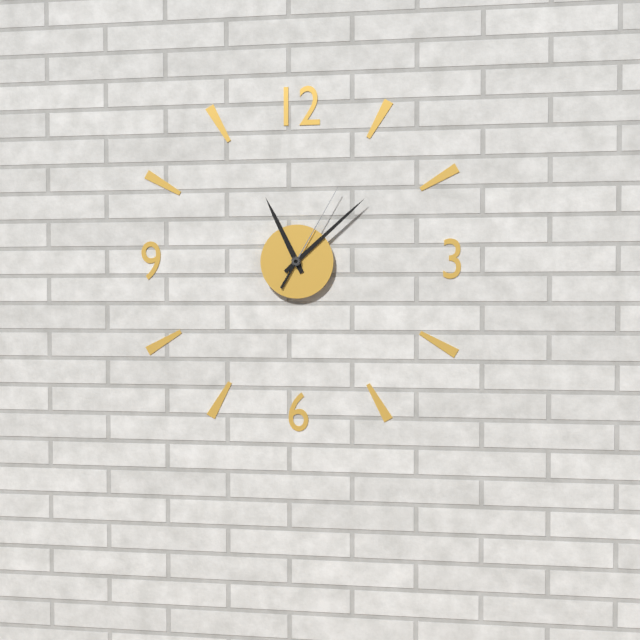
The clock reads 11,08,05
